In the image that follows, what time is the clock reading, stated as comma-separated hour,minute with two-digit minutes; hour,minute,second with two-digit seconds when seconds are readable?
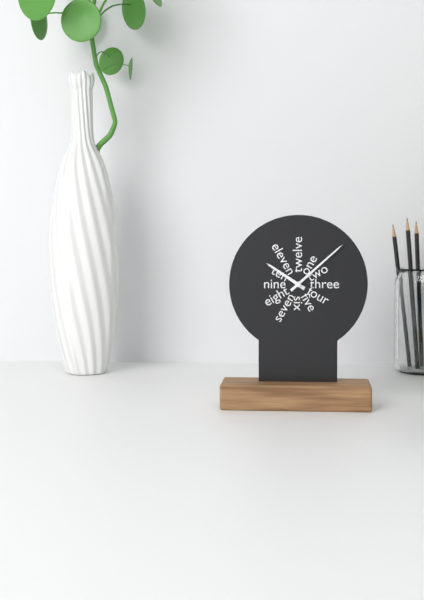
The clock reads 10,08
